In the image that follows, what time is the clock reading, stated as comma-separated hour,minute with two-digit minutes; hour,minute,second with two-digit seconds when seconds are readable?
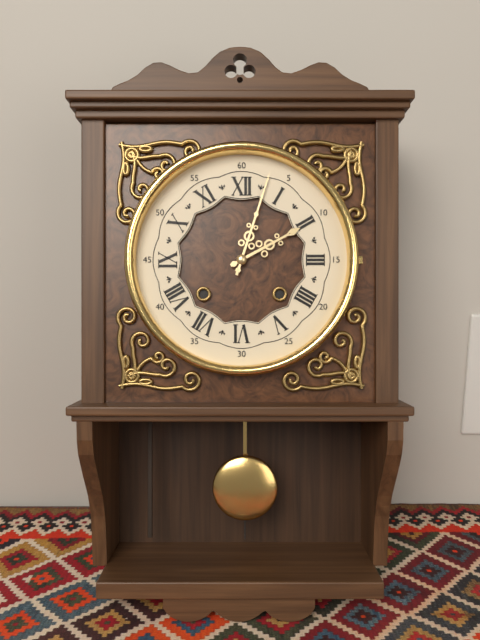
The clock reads 2,03
